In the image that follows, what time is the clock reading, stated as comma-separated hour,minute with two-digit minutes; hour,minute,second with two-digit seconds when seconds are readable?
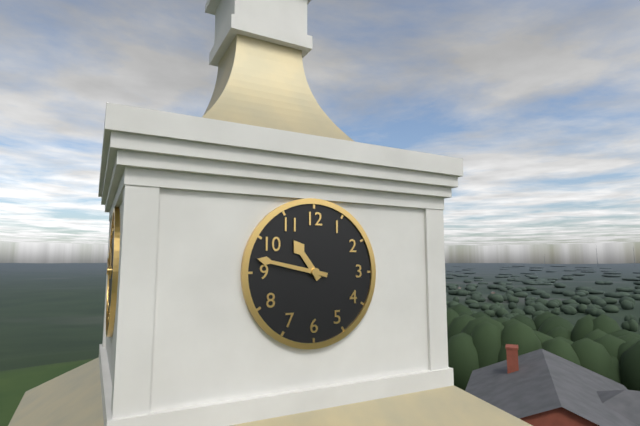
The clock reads 10,47
